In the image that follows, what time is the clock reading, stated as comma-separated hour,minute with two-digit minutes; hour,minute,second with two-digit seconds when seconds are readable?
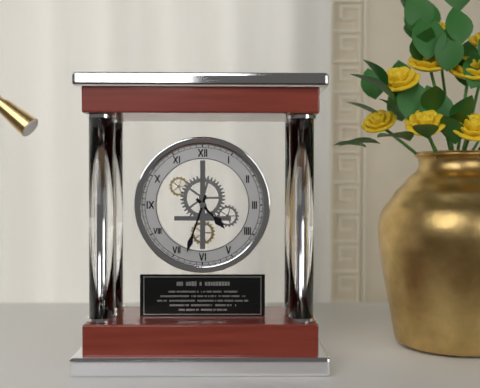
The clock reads 4,33
